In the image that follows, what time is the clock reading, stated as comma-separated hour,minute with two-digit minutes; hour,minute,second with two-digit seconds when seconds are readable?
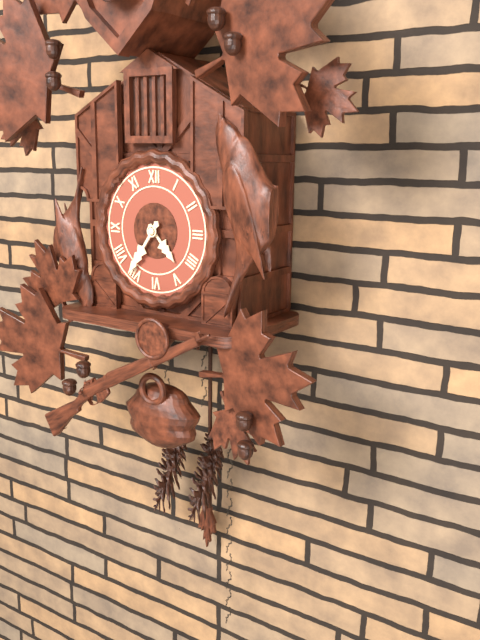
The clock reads 4,36
